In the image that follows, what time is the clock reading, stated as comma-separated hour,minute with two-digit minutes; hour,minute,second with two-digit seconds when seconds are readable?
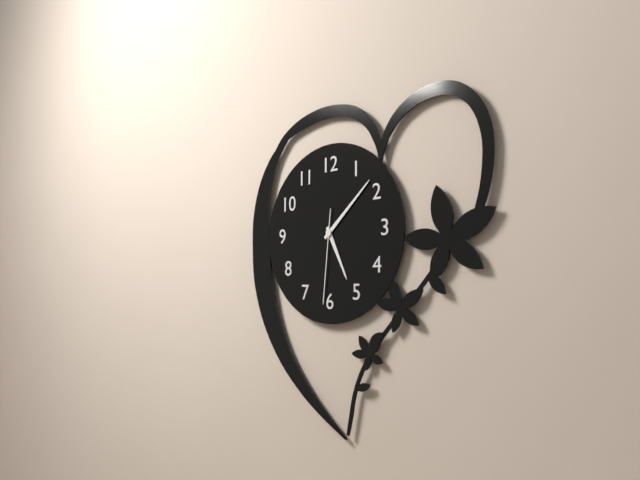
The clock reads 5,08,31
